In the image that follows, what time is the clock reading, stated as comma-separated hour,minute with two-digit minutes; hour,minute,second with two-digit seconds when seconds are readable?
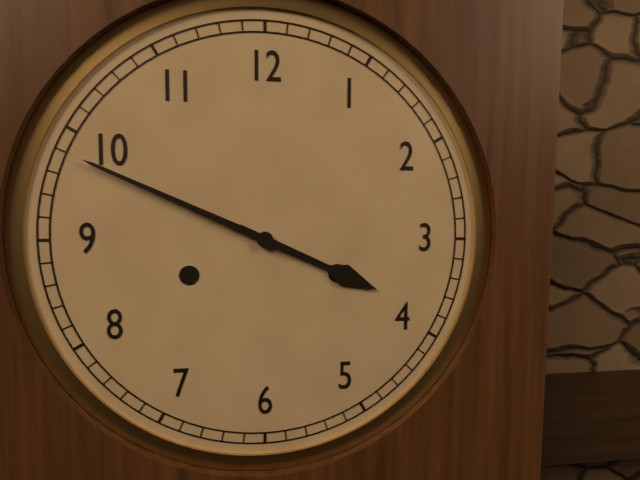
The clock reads 3,49
